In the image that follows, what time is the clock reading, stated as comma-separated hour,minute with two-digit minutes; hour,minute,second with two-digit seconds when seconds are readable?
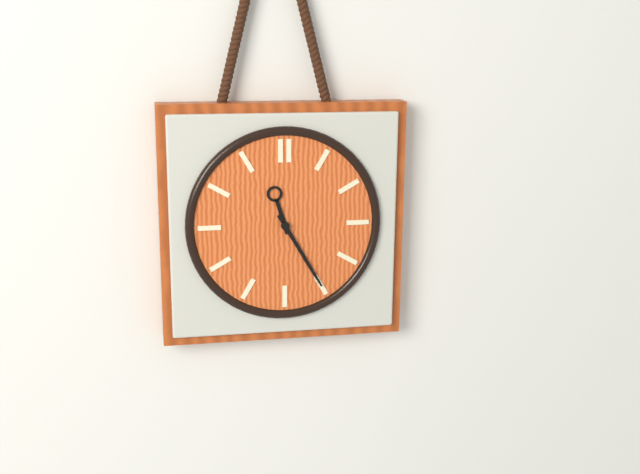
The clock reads 11,25
